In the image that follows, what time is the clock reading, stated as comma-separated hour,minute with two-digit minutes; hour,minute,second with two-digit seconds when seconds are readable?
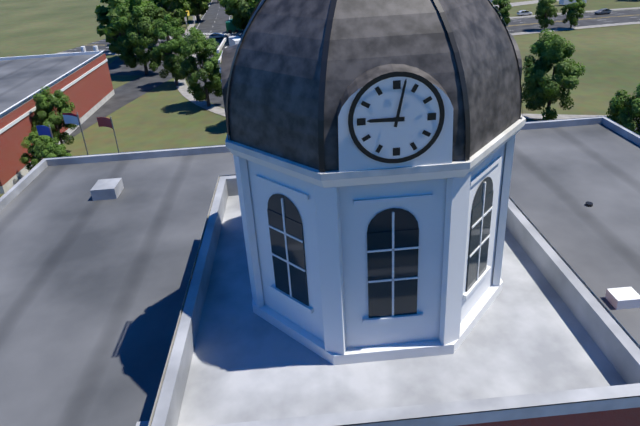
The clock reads 9,02
